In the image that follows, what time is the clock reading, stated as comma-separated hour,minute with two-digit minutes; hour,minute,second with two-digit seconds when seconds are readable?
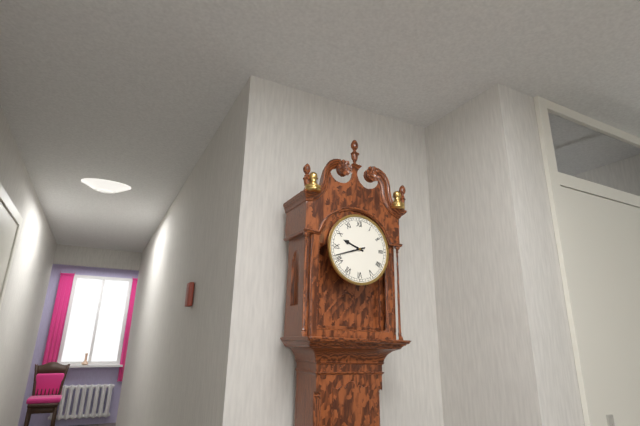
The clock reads 9,42
